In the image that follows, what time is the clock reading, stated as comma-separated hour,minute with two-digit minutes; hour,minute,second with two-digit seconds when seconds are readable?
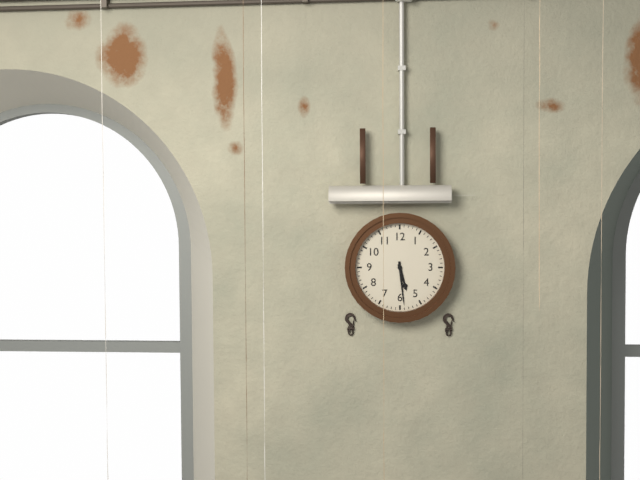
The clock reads 5,29
